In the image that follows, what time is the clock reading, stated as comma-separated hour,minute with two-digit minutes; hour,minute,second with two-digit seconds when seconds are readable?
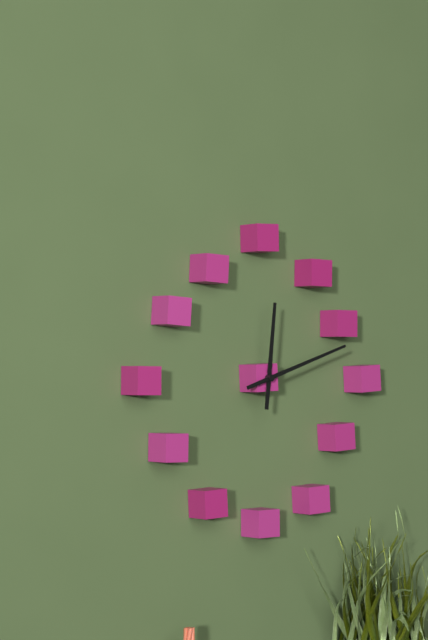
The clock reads 12,12
